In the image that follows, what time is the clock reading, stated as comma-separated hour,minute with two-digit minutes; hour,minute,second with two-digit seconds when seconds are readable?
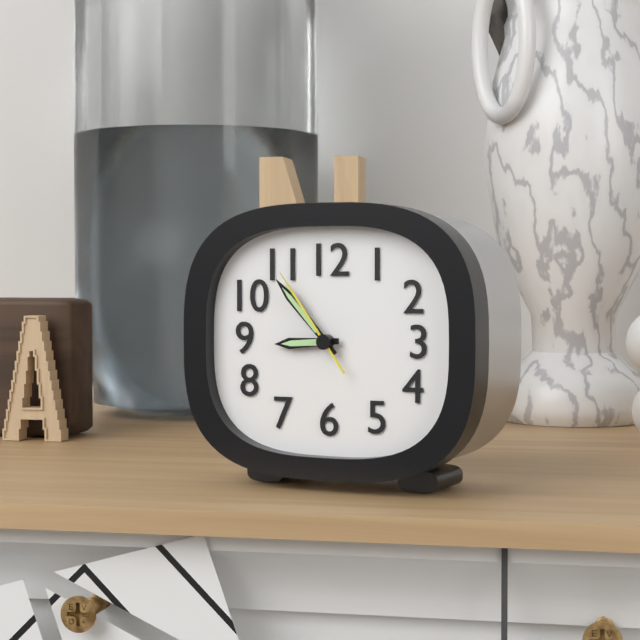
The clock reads 8,53,54
